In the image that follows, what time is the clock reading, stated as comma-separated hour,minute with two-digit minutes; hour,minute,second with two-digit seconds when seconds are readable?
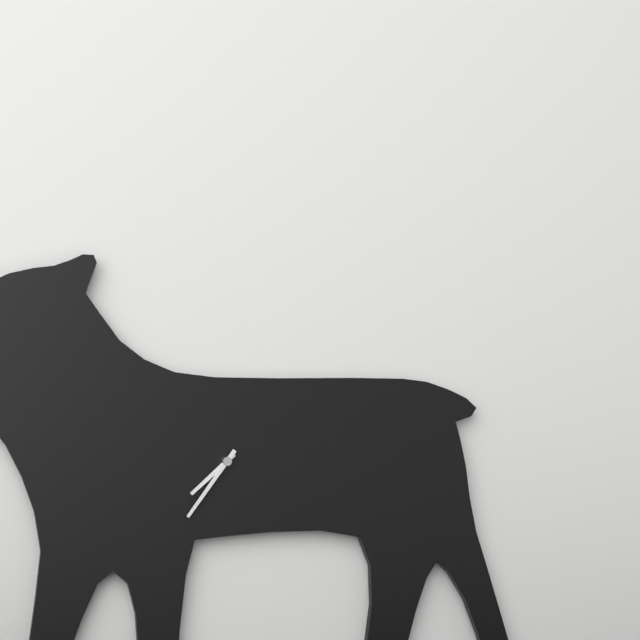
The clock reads 7,36
